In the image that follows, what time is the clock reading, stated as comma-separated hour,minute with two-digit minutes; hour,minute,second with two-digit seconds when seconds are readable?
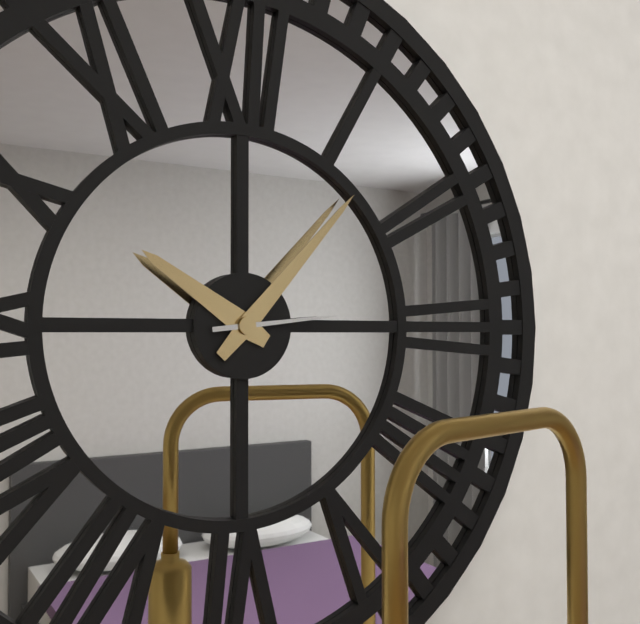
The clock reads 10,07,14
